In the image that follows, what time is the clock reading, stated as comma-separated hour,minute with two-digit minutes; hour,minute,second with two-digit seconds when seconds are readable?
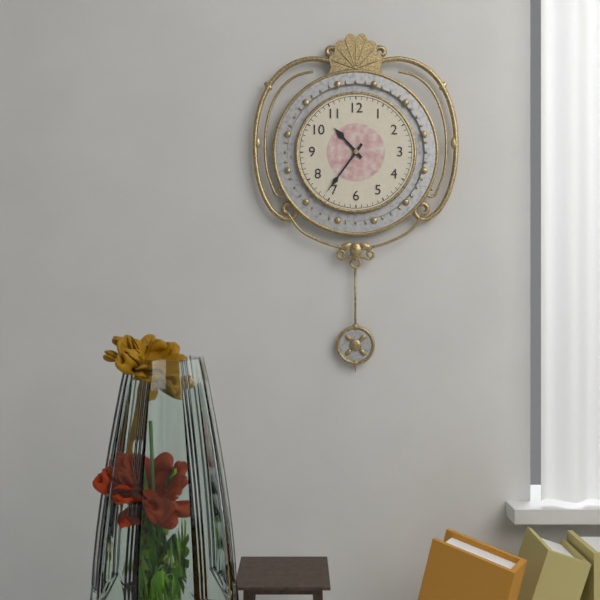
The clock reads 10,36
